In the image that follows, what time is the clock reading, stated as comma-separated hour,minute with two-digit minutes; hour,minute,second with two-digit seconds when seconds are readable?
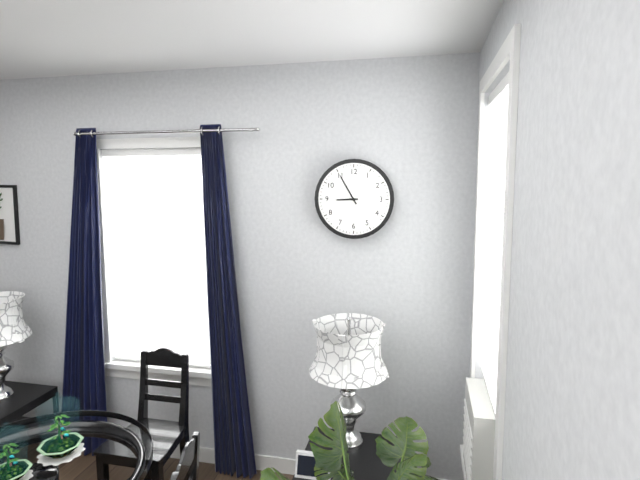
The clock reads 8,55
